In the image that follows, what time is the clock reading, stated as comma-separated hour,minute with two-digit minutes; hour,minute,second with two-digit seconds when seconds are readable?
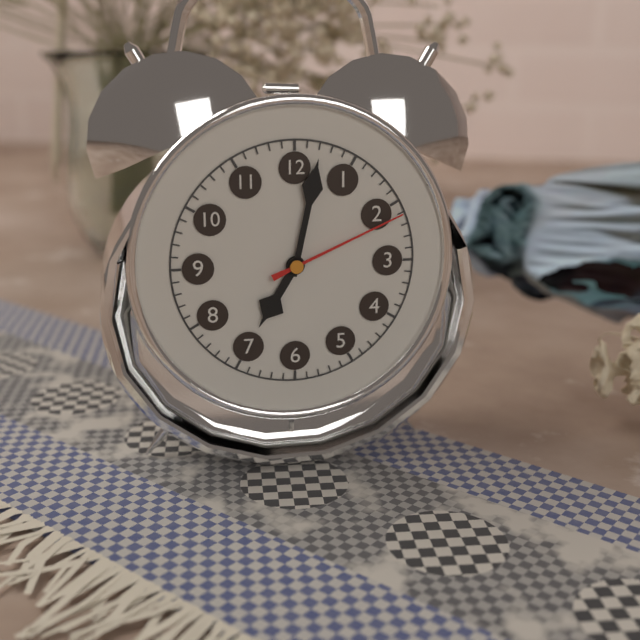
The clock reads 7,02,11
